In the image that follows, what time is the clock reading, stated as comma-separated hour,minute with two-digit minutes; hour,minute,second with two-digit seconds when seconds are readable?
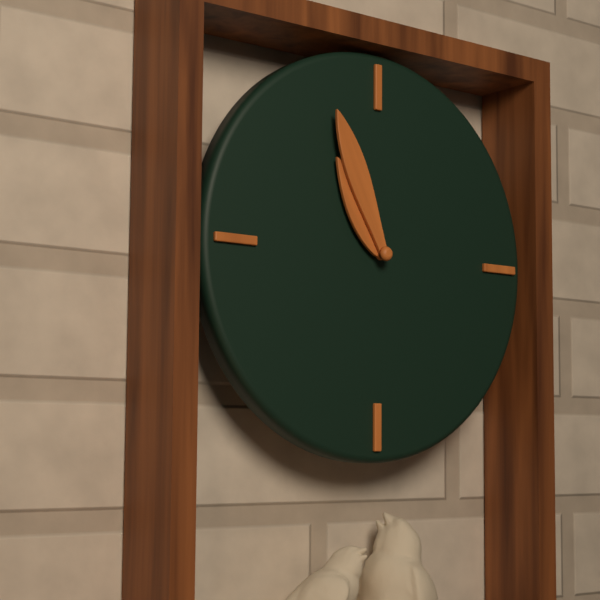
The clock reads 10,56
